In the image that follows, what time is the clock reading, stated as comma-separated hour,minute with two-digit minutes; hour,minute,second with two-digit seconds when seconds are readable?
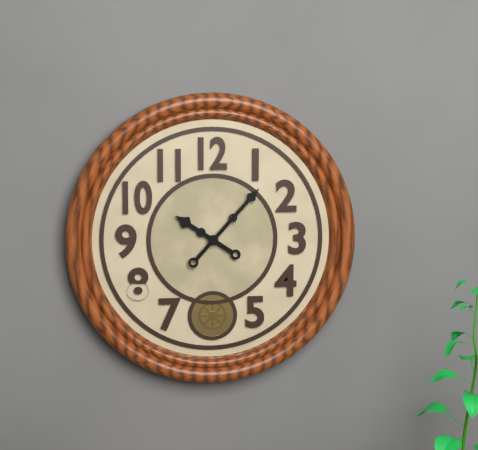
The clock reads 10,07
